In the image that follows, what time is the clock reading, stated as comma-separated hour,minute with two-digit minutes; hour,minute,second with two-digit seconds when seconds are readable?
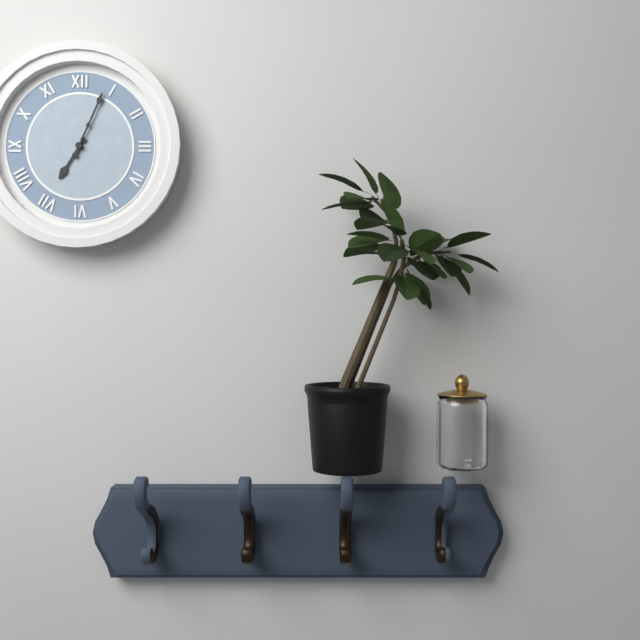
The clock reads 7,04
